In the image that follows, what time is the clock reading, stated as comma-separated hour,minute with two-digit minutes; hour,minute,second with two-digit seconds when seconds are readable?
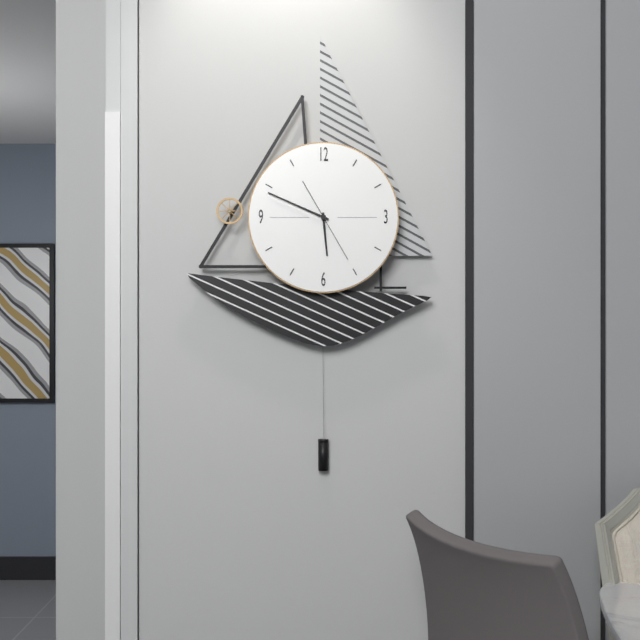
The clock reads 5,49,25
